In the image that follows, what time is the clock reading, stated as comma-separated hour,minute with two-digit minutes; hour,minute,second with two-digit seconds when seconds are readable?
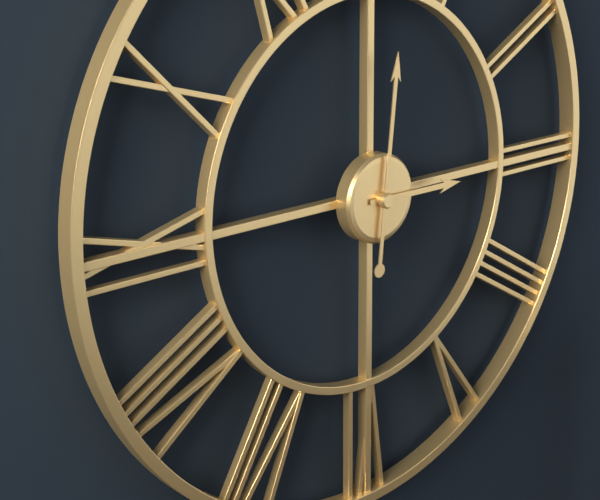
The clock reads 3,01
